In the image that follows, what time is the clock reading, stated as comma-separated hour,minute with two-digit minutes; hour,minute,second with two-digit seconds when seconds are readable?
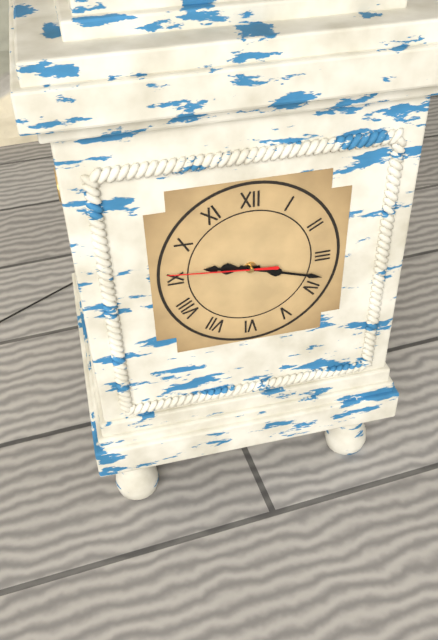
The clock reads 9,18,46
